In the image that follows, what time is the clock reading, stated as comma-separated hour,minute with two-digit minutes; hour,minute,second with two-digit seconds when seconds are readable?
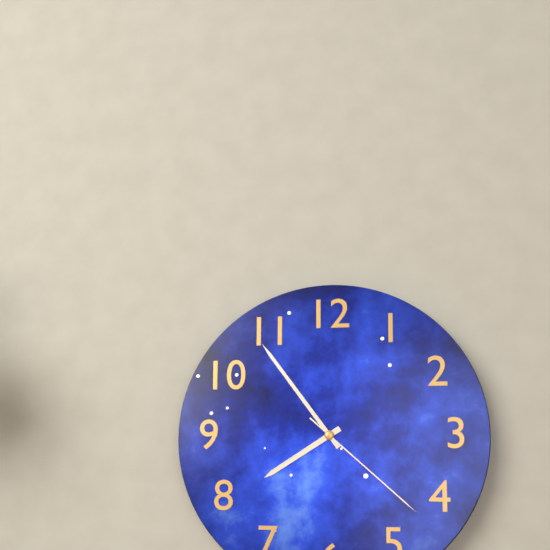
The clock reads 7,54,22
